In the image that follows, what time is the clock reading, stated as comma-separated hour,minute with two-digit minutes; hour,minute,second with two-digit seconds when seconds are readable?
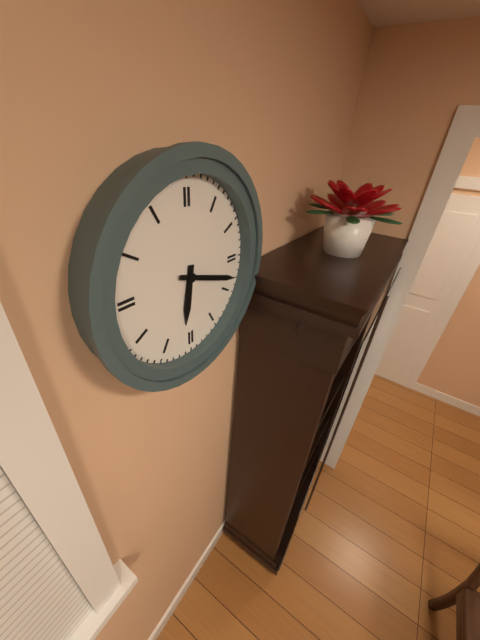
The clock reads 6,18
